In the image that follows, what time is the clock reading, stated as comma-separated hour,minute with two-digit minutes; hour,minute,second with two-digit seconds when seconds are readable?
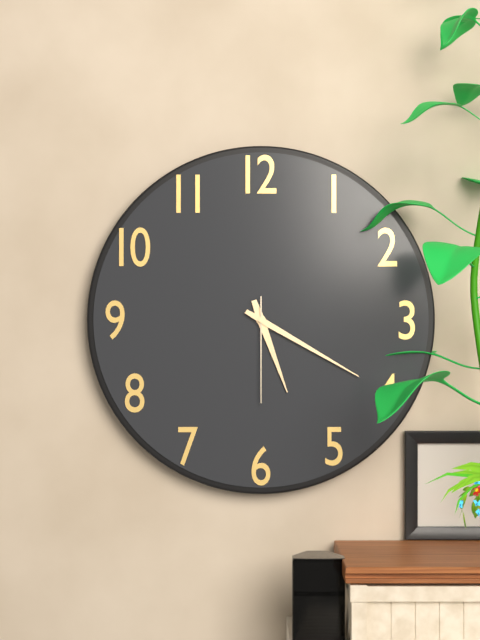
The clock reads 5,20,30
